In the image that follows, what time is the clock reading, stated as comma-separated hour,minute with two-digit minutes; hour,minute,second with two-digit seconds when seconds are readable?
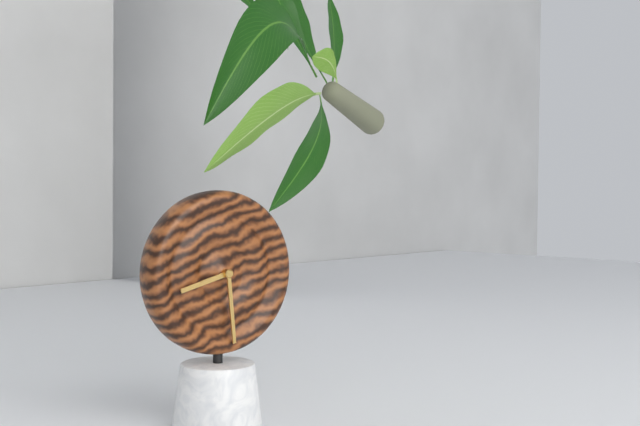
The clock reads 8,29
